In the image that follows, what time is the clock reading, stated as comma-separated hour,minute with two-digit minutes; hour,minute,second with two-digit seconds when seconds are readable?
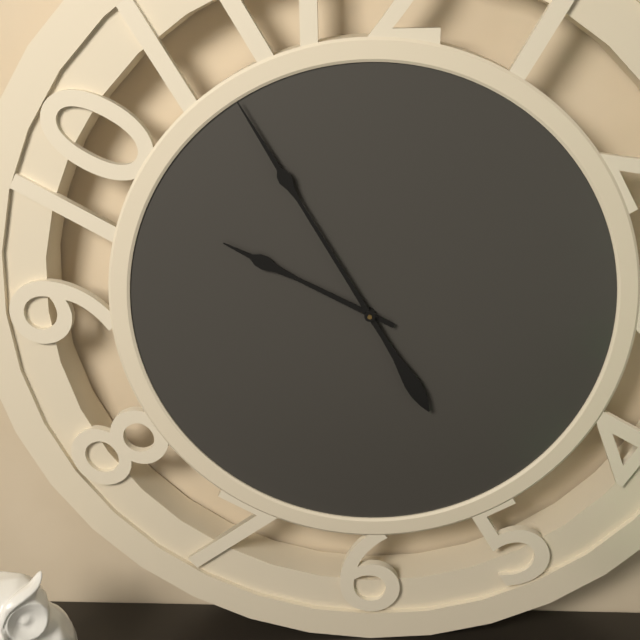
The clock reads 9,55
